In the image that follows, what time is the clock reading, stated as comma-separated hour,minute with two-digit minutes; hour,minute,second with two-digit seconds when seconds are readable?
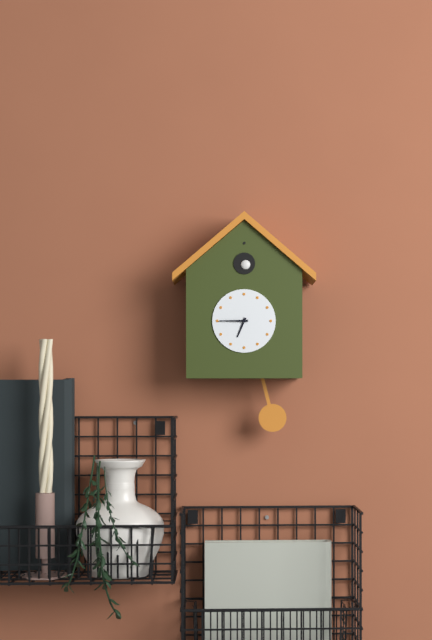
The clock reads 6,45
